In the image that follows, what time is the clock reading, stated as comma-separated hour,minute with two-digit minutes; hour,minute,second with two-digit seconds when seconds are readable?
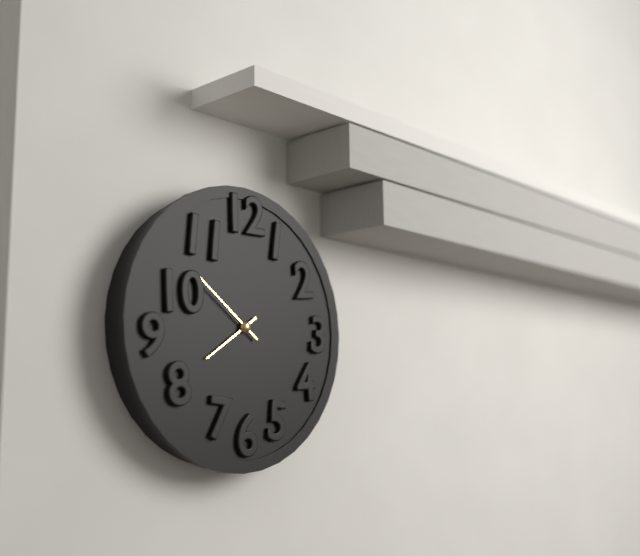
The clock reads 7,51
